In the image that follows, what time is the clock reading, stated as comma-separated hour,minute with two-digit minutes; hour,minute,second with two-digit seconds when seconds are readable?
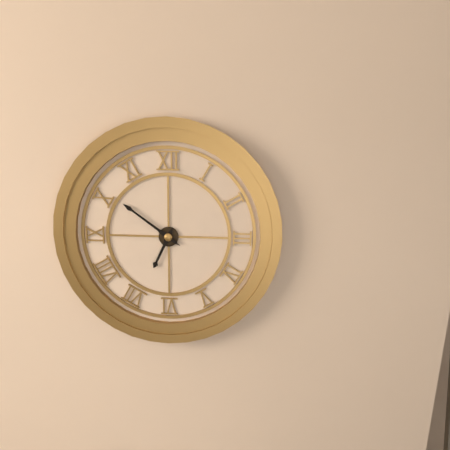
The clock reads 6,51
